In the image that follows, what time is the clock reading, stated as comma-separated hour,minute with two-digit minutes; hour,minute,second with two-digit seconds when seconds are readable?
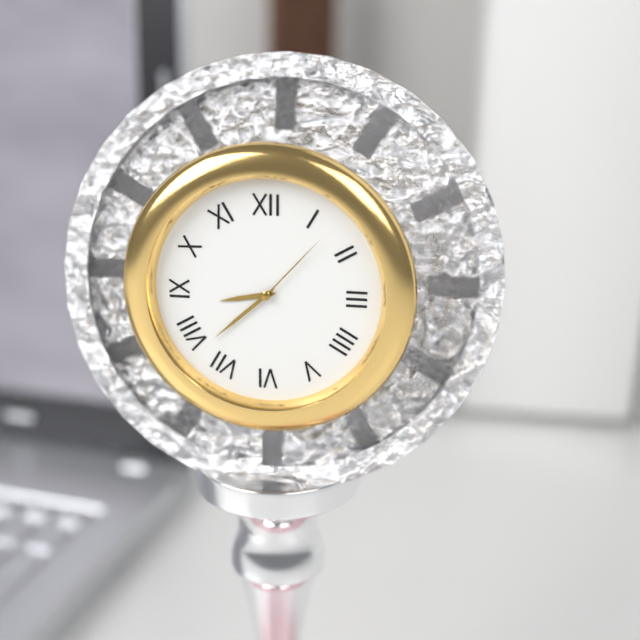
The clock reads 8,38,07
